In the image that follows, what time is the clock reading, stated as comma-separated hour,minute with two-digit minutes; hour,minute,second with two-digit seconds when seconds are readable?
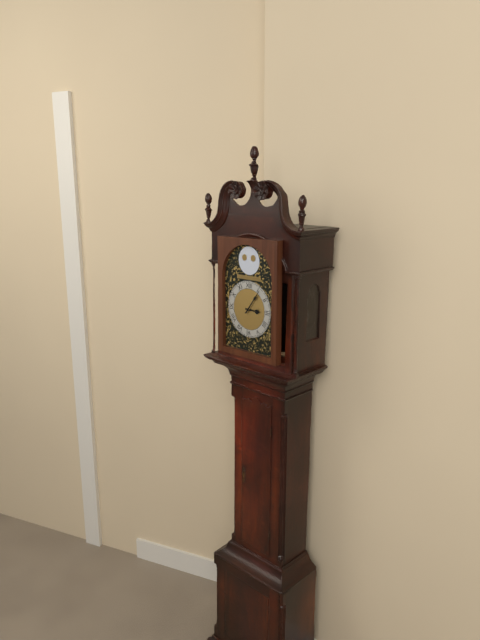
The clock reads 3,06
